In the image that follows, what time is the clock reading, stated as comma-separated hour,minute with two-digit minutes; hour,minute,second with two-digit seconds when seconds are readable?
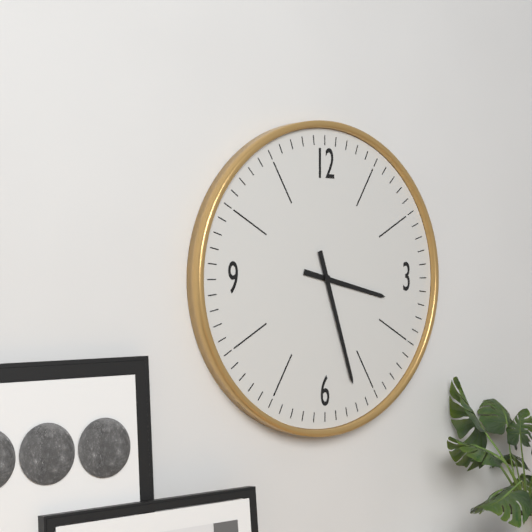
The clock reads 3,27
